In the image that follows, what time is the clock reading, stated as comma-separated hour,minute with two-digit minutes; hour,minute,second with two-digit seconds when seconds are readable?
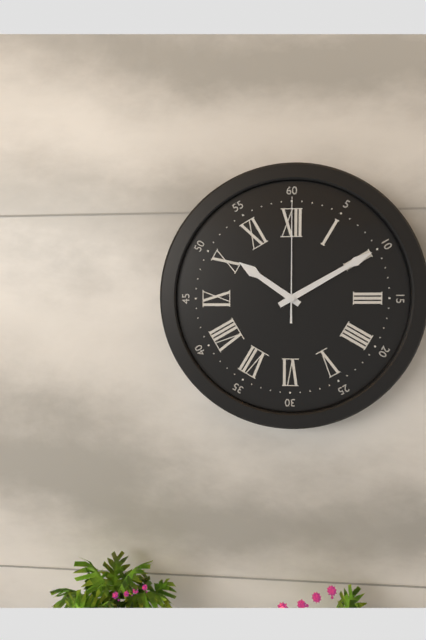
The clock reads 10,10,00
